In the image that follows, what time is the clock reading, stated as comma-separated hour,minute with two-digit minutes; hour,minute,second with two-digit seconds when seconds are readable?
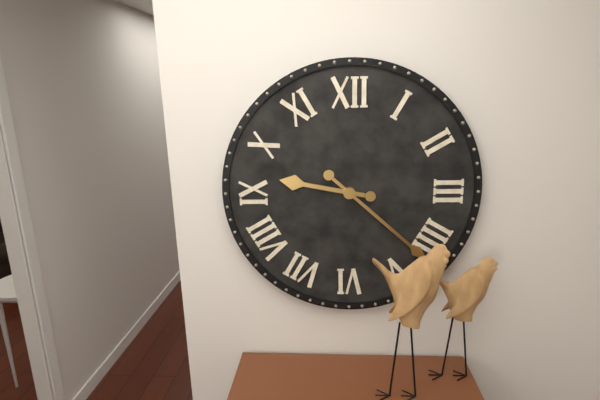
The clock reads 9,22
